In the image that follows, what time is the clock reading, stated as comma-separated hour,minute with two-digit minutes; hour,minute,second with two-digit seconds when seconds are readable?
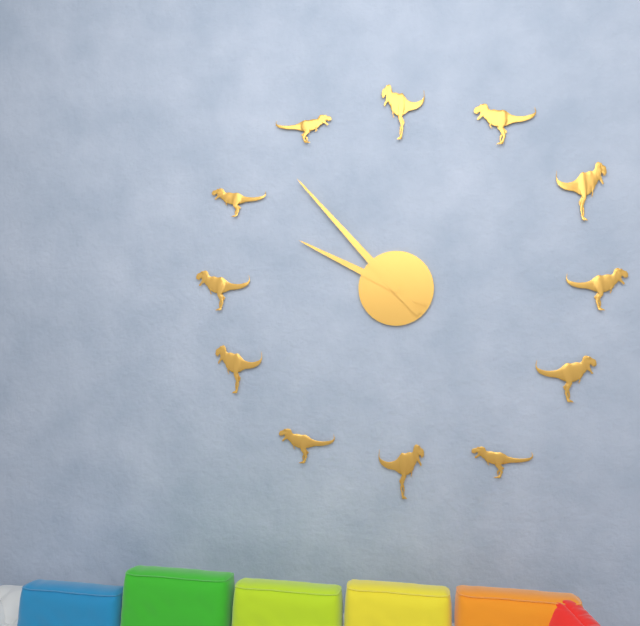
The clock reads 9,53
